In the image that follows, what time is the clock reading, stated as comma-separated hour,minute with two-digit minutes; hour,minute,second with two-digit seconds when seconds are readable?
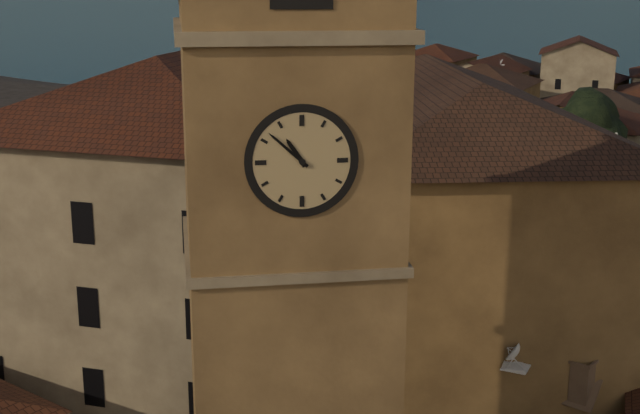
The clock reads 10,52
